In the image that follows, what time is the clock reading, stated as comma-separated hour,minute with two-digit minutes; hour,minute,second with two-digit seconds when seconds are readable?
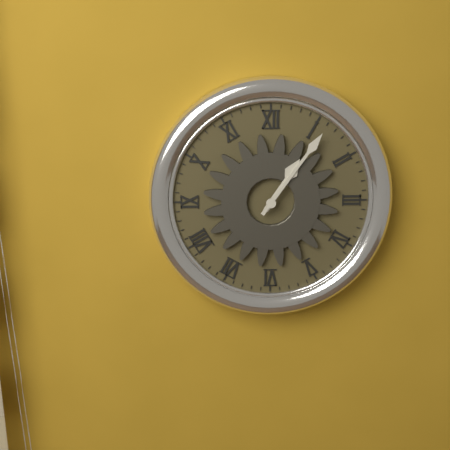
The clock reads 1,06
